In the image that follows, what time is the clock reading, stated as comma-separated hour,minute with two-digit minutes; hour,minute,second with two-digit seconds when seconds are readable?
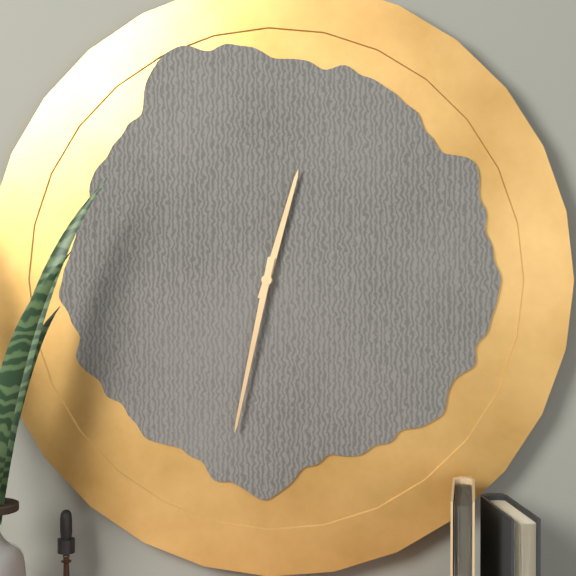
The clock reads 12,32
